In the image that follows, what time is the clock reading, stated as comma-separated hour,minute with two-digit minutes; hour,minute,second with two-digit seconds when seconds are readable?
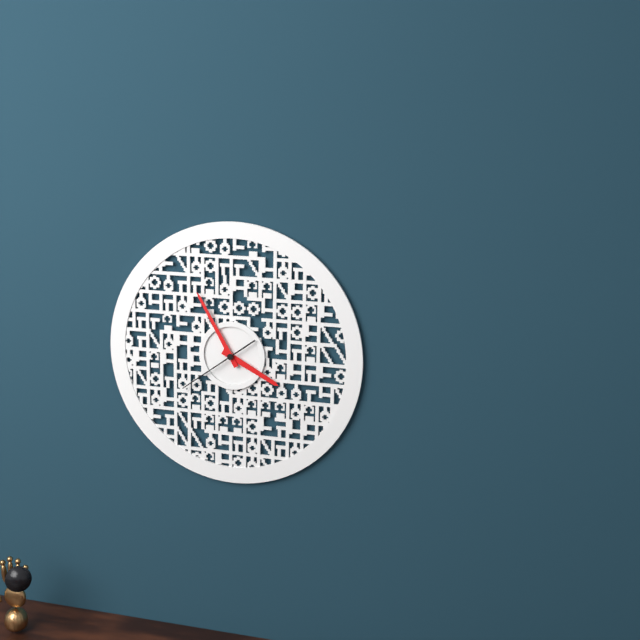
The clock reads 3,55,39
